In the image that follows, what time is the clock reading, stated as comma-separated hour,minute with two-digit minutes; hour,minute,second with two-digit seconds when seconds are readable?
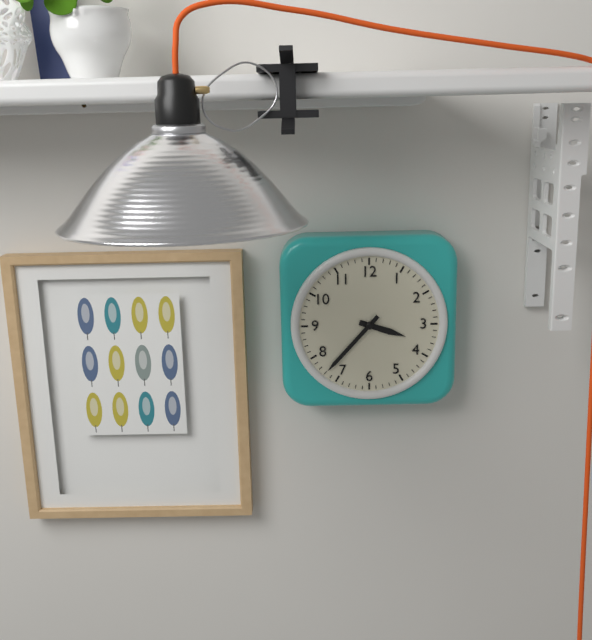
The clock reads 3,37
